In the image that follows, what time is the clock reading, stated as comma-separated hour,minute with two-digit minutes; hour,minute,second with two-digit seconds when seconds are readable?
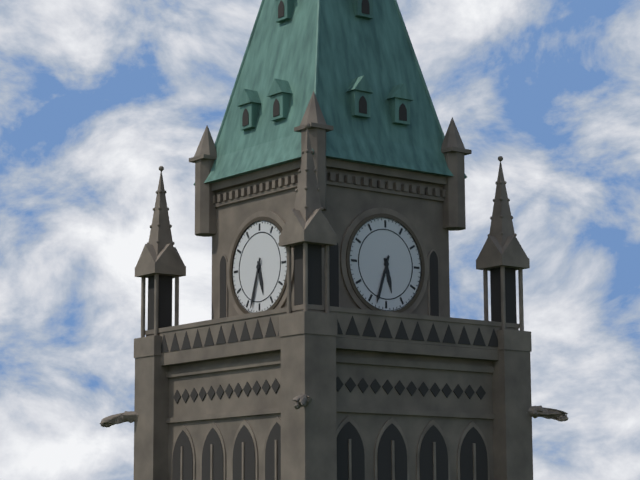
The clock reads 5,33
